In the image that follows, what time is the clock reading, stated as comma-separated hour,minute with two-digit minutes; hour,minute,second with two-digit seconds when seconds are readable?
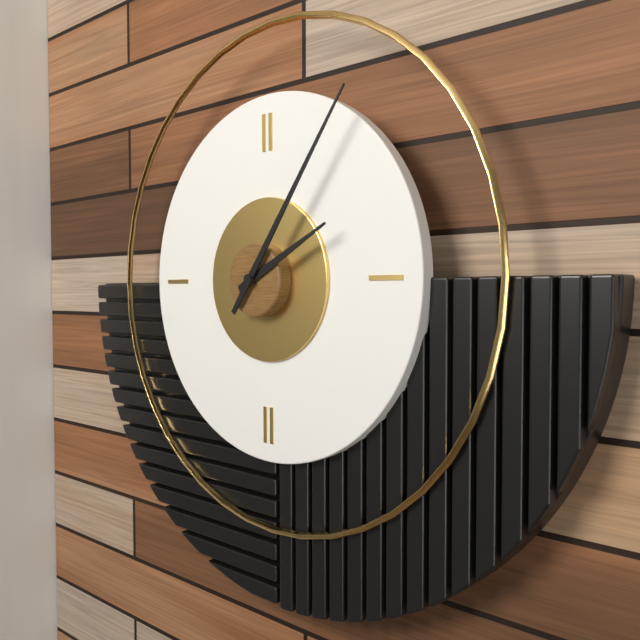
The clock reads 2,06
